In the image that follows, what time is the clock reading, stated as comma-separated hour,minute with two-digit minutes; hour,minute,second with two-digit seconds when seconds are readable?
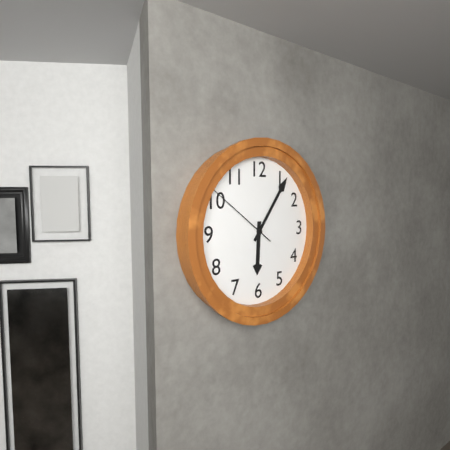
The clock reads 6,06,51
